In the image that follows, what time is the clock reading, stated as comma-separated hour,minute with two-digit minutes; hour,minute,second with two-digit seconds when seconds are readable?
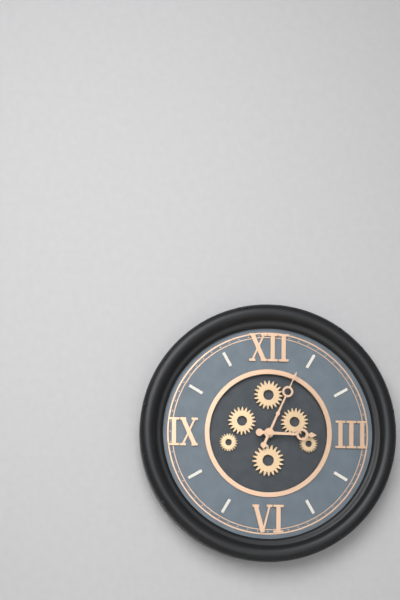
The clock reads 3,04
